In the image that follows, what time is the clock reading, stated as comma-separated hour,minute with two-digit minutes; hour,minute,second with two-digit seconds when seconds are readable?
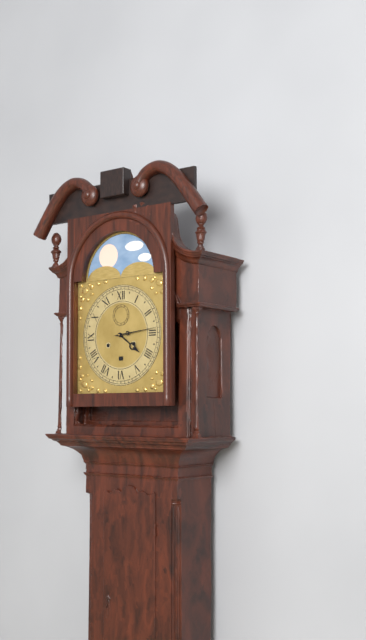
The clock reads 4,14
